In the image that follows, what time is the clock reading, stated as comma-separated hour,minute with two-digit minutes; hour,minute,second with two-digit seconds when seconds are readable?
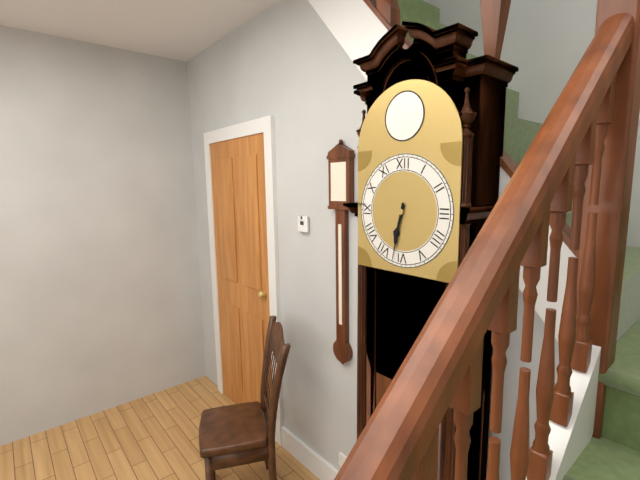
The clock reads 6,32
